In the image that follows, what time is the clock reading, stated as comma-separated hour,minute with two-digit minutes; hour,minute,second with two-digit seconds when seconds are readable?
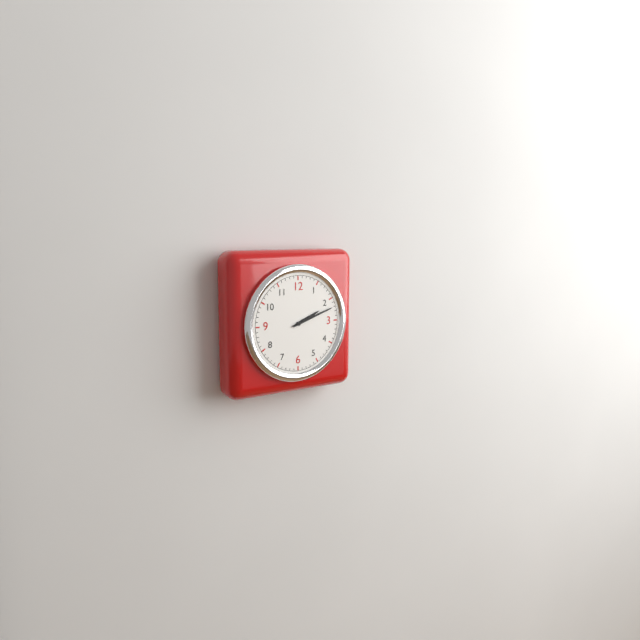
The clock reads 2,12
